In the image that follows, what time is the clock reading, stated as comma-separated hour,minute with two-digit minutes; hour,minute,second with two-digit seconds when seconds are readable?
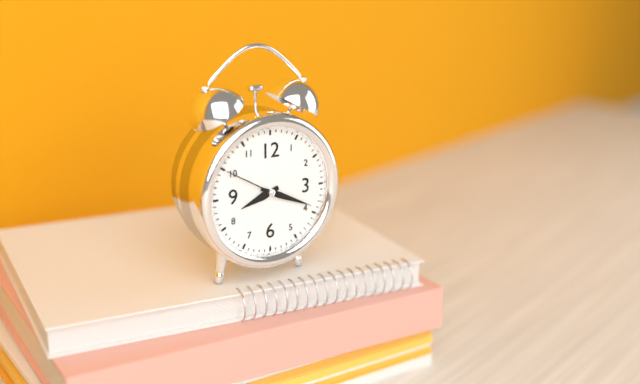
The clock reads 8,19,50
